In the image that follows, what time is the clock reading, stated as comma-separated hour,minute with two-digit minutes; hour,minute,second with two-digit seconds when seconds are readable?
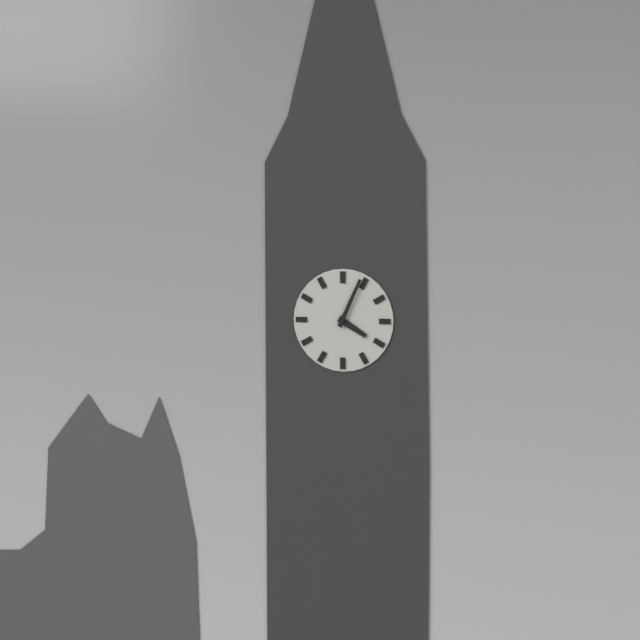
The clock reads 4,04
